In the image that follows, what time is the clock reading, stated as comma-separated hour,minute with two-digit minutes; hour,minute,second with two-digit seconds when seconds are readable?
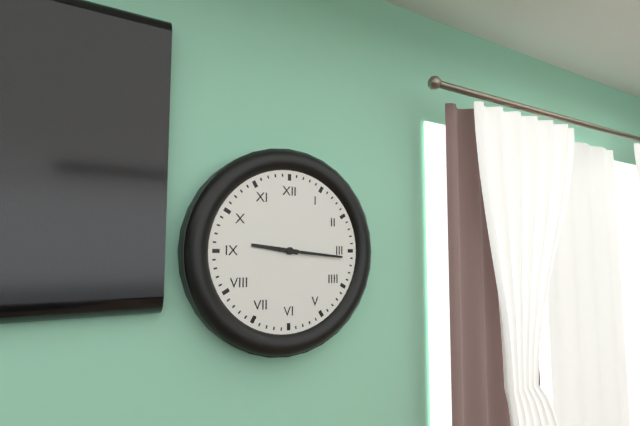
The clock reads 9,16
